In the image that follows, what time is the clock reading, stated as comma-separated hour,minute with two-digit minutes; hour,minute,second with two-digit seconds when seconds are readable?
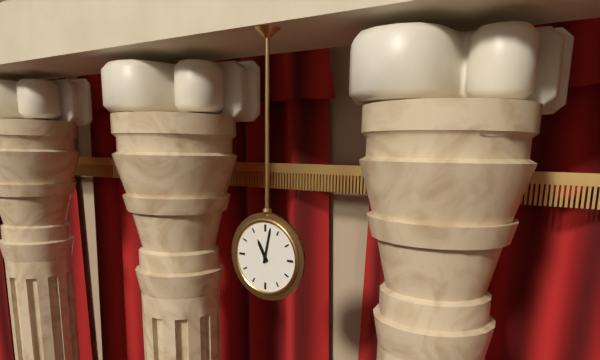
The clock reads 11,02
